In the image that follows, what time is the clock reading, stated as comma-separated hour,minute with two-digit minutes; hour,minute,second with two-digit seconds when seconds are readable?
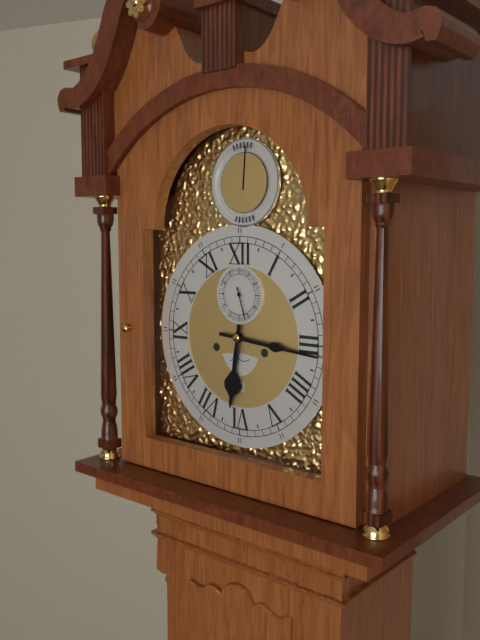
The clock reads 6,16
